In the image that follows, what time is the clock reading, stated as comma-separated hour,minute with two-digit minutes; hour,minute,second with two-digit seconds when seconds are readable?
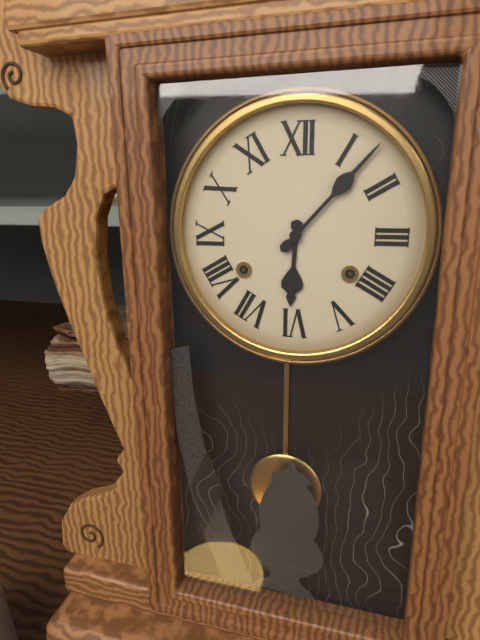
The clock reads 6,07
